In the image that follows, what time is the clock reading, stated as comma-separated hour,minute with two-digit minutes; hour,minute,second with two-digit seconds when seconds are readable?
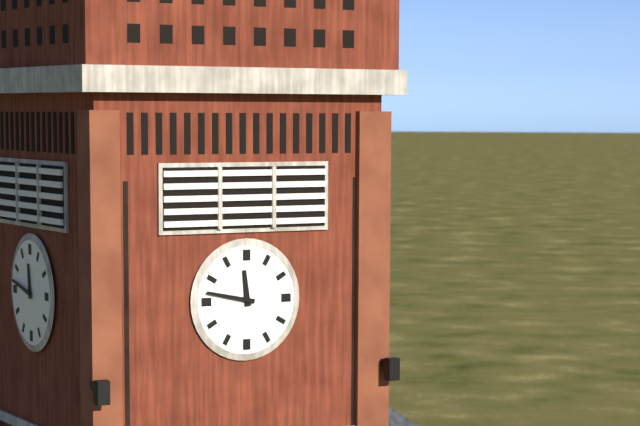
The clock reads 11,47
